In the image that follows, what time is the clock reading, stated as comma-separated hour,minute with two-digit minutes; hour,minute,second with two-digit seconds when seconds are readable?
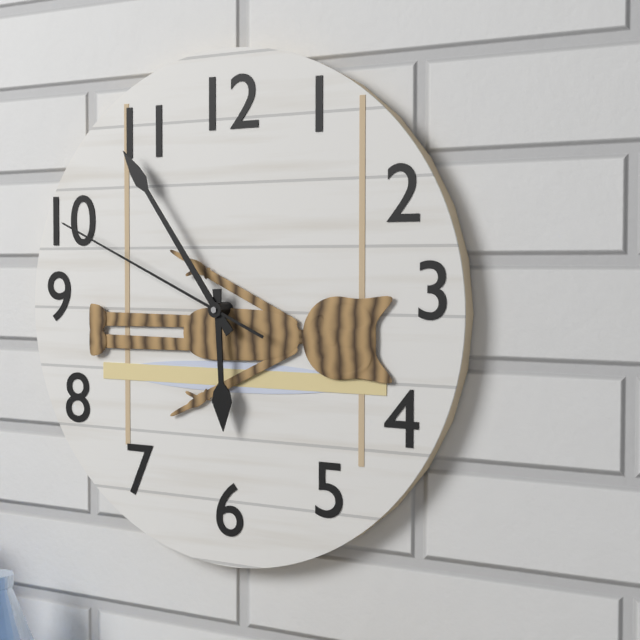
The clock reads 5,54,49
